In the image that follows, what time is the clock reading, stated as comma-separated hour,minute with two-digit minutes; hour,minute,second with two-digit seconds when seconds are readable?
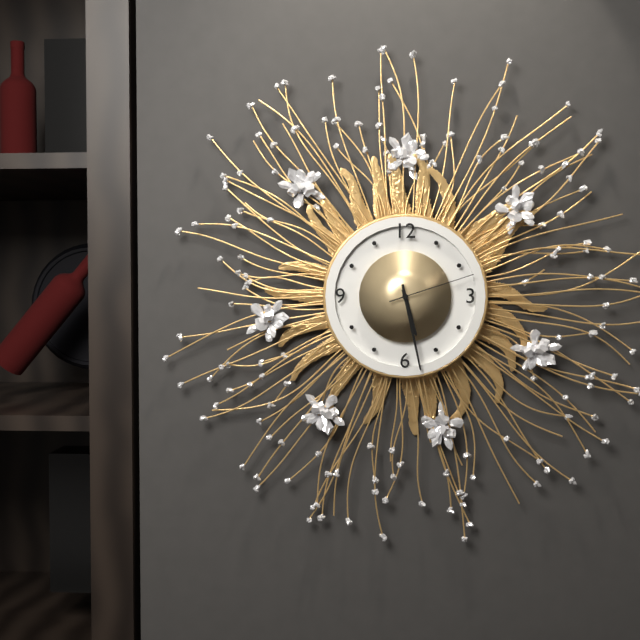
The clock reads 5,28,12
